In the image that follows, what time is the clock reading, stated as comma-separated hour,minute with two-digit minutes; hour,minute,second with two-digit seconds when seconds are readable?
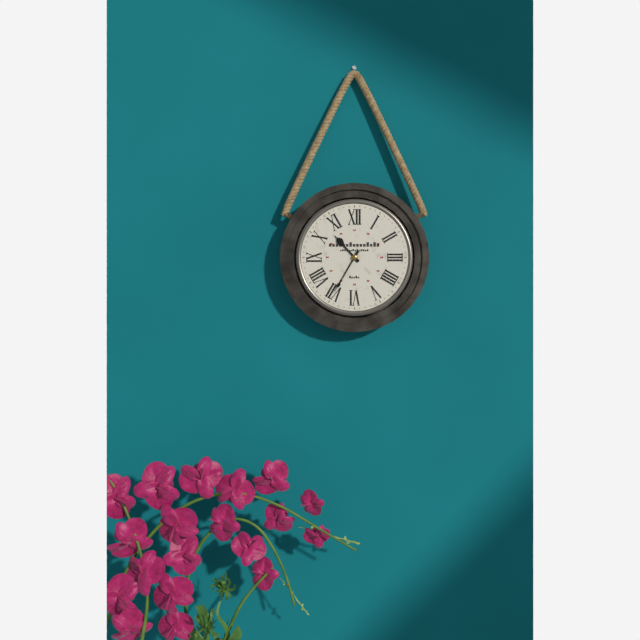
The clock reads 10,35
